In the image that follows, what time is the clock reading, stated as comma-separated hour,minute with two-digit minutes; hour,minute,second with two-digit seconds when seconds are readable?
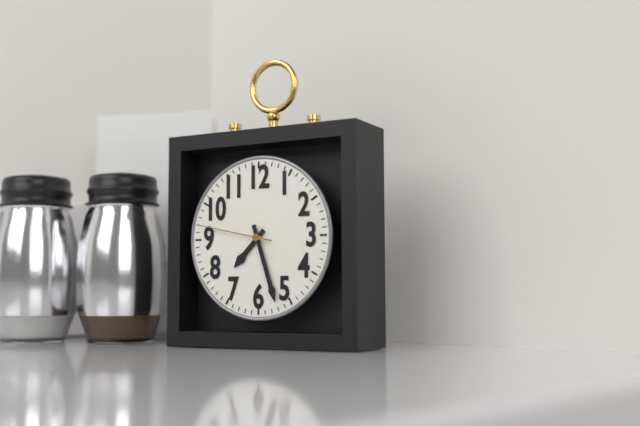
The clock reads 7,27,47
